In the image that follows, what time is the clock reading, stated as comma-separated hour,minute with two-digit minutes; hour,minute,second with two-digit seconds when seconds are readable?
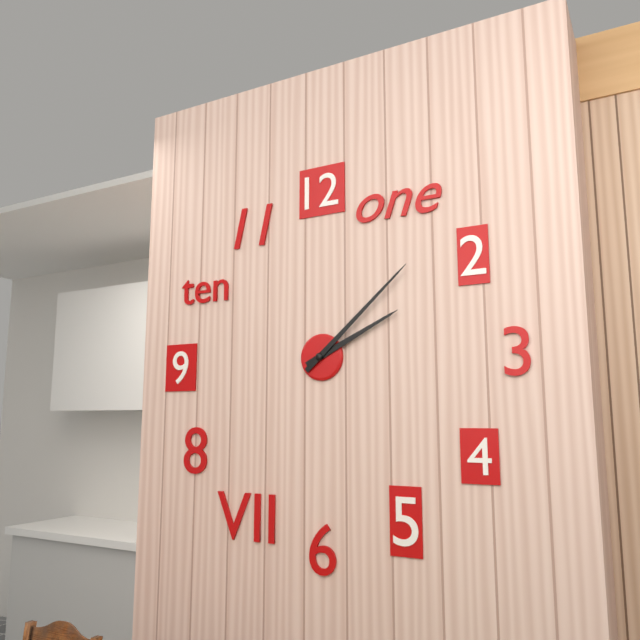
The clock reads 2,08
